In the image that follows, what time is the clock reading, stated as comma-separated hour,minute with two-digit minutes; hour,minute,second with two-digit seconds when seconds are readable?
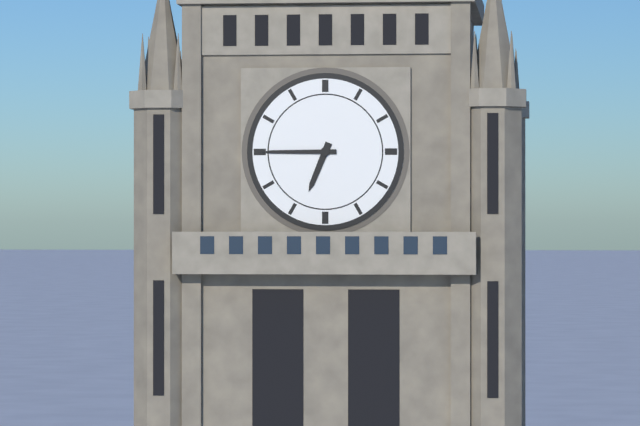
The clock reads 6,45
